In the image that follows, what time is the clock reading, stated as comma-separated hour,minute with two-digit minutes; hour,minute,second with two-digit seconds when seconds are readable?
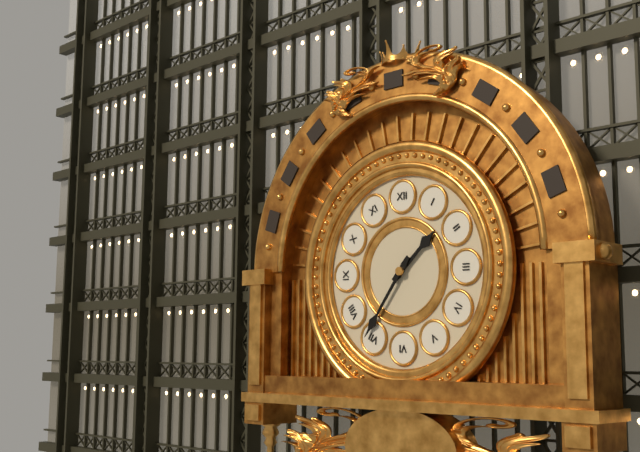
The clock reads 1,36
